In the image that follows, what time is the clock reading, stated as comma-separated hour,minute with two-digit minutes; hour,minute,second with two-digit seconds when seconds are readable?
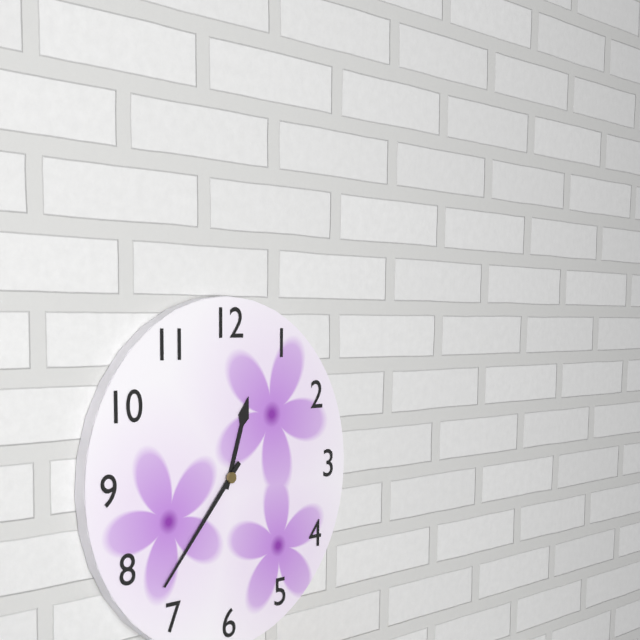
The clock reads 12,37
